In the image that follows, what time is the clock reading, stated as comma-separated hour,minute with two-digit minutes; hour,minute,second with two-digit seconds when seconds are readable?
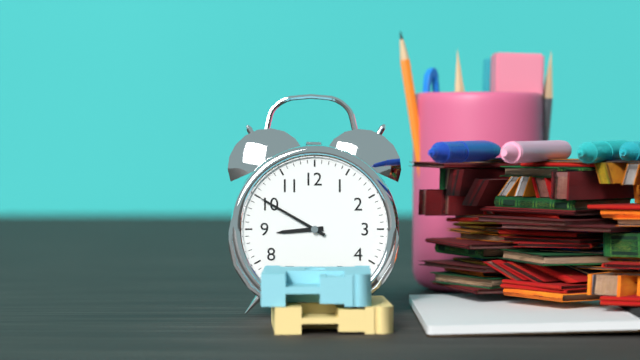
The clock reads 8,50
